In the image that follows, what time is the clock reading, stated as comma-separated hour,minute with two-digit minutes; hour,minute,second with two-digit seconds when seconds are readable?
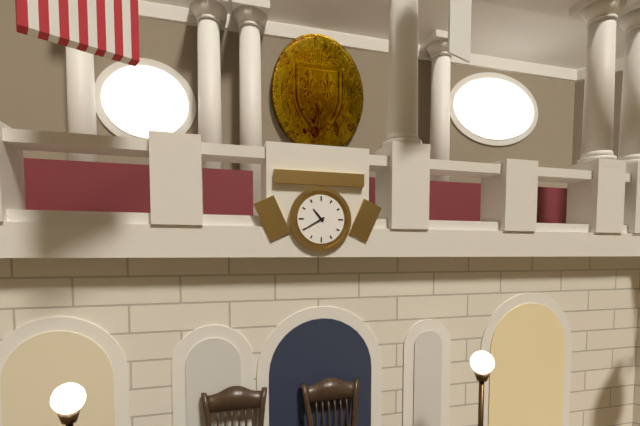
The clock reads 10,40
